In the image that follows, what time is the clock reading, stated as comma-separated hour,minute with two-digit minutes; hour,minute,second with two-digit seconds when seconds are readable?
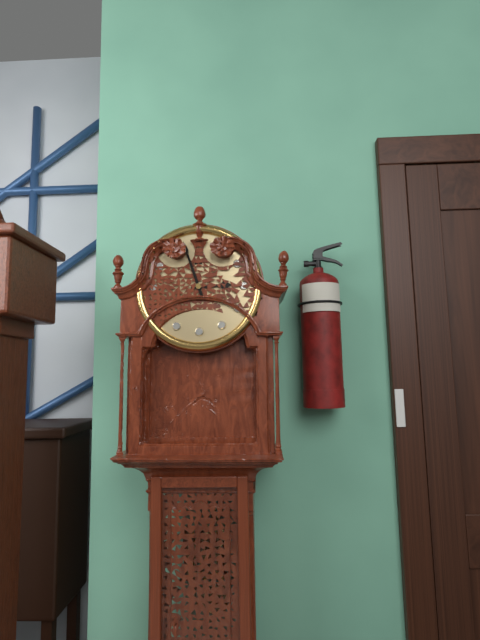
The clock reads 2,57
